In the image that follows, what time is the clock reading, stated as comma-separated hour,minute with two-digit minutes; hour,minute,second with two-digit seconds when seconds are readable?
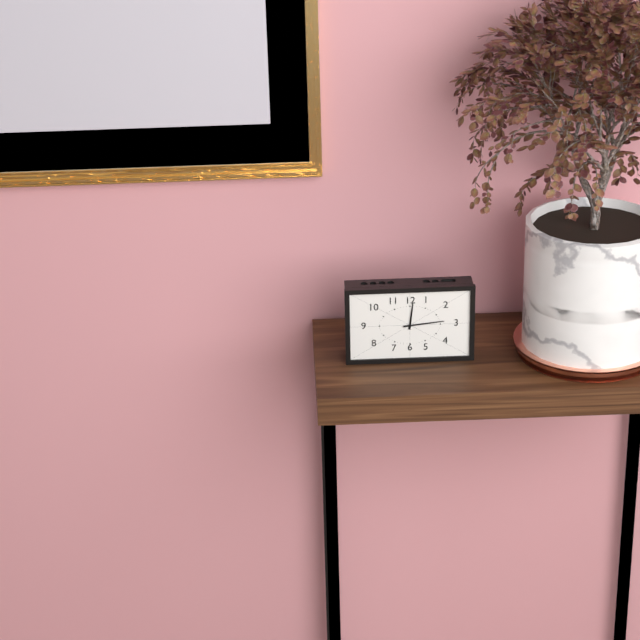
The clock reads 12,14
